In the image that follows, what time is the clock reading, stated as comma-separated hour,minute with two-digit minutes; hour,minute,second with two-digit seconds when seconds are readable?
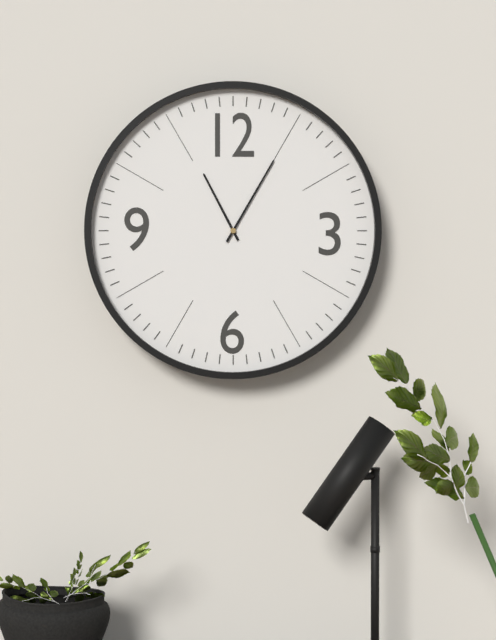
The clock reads 11,05
